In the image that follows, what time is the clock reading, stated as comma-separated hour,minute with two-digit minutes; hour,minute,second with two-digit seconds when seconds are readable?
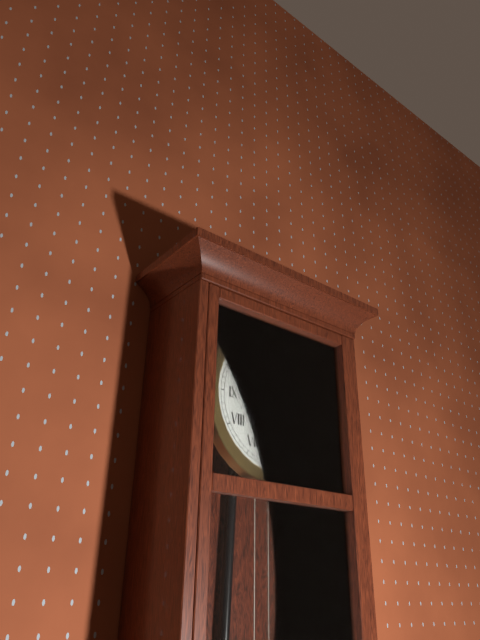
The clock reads 5,49
